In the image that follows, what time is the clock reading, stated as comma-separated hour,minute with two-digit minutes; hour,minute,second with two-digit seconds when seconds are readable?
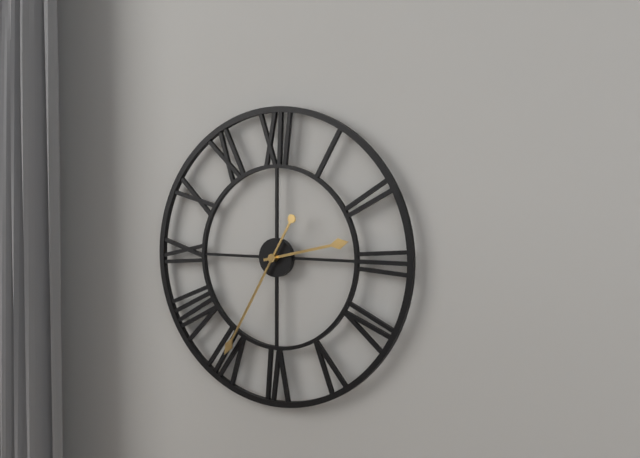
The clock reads 2,35
